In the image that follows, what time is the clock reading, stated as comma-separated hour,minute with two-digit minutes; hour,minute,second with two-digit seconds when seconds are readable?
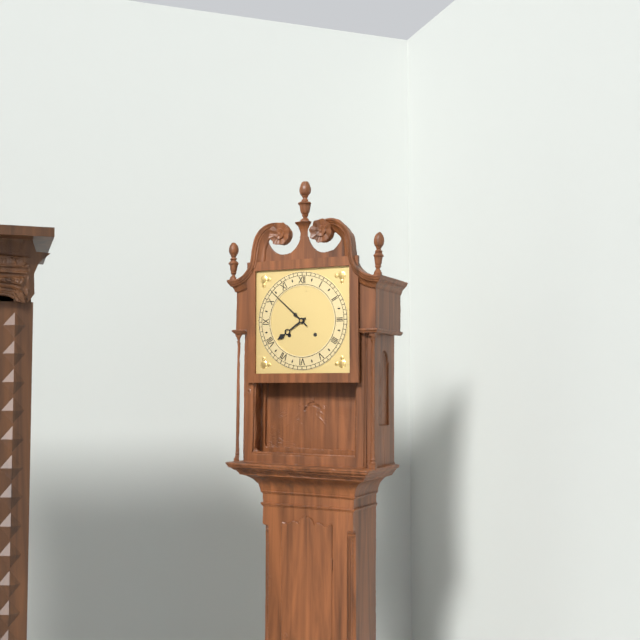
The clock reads 7,52
